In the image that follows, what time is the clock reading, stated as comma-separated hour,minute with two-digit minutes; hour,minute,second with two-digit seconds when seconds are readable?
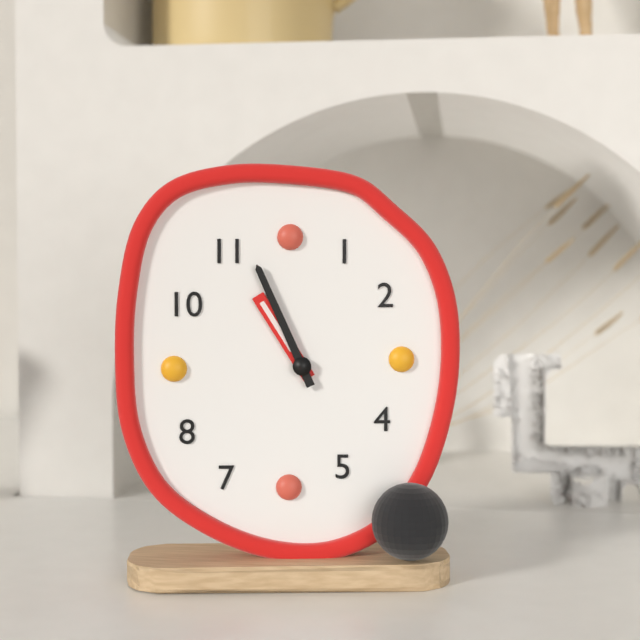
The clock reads 10,56
